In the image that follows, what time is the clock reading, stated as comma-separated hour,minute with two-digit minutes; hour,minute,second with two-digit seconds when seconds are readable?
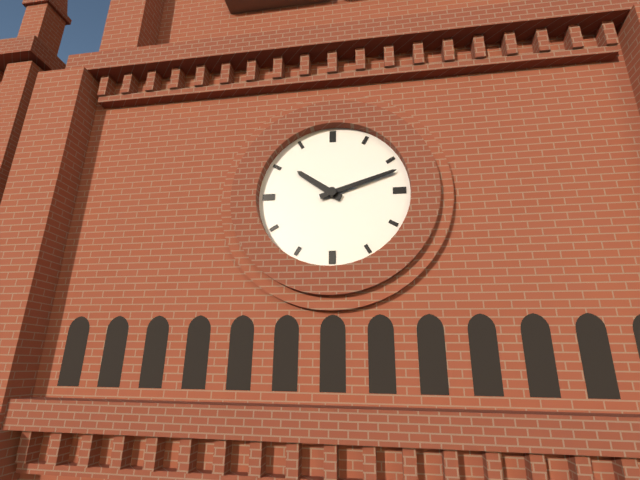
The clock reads 10,12
